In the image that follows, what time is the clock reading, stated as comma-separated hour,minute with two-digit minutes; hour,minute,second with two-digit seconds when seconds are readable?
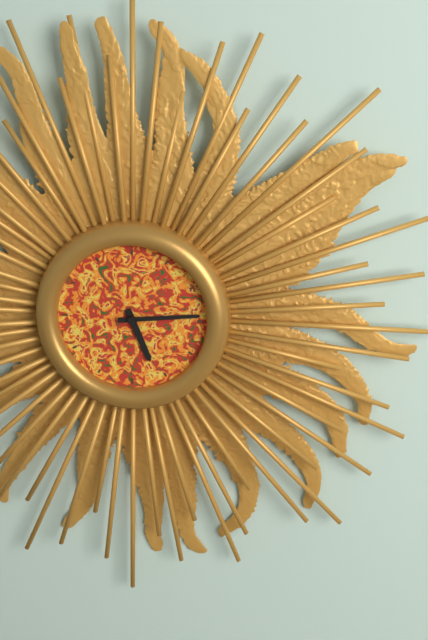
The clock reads 5,14
